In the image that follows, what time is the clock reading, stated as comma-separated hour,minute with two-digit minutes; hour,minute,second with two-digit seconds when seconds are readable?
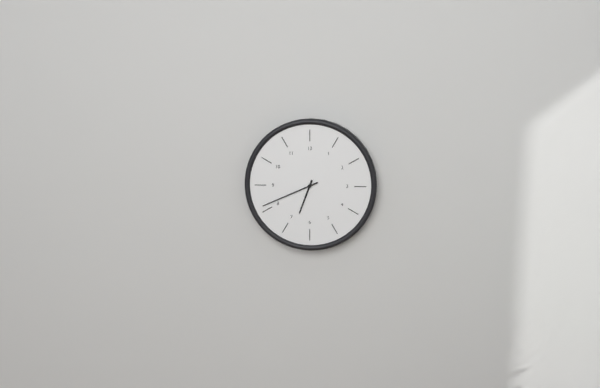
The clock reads 6,41
